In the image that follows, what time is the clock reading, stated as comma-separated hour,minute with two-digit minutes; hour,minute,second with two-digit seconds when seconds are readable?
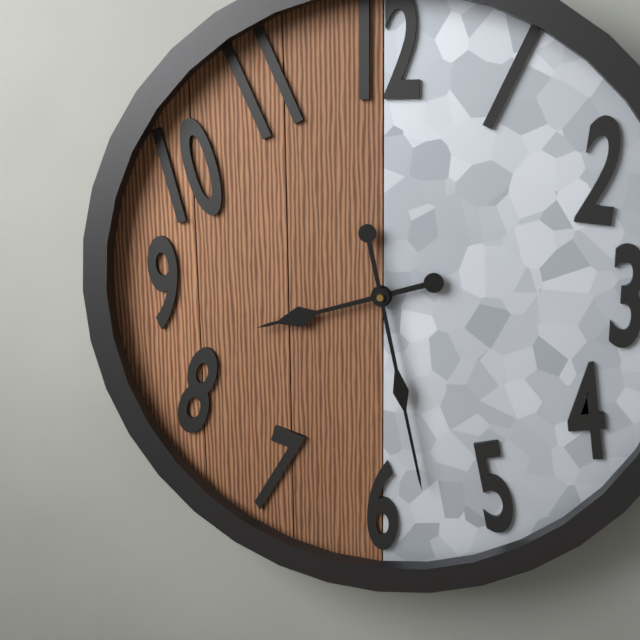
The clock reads 8,28
